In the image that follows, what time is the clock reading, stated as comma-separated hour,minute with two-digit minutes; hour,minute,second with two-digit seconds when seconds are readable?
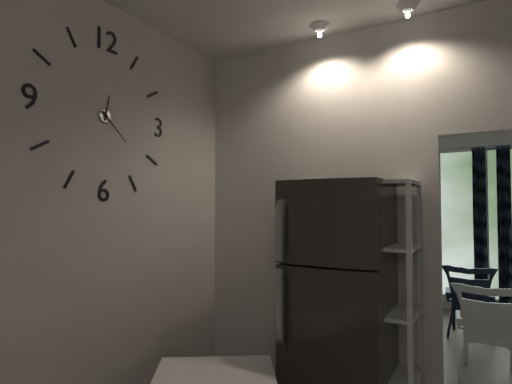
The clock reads 12,22
